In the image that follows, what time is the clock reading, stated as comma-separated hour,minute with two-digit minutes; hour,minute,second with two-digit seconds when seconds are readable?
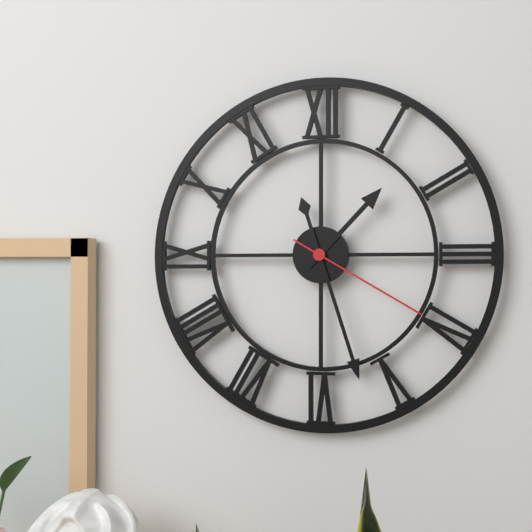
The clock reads 1,27,20
